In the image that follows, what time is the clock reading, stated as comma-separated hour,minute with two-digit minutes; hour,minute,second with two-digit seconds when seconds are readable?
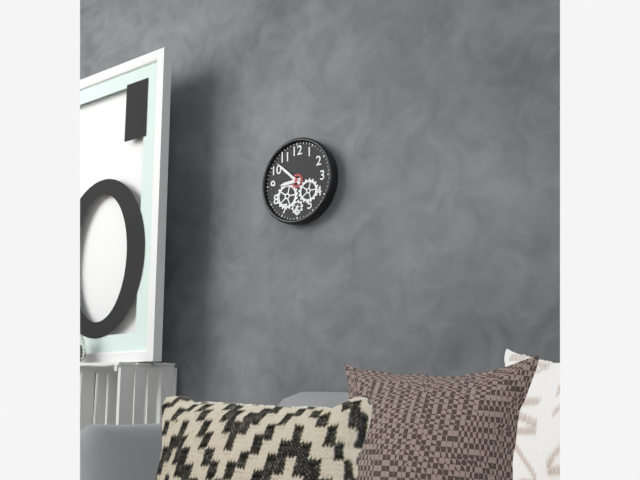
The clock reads 8,52
